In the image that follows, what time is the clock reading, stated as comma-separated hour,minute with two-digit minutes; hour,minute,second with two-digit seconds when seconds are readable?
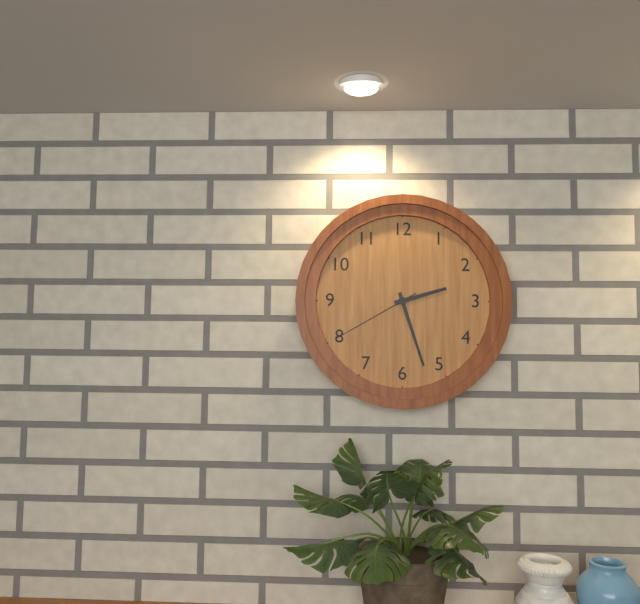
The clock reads 2,27,40
